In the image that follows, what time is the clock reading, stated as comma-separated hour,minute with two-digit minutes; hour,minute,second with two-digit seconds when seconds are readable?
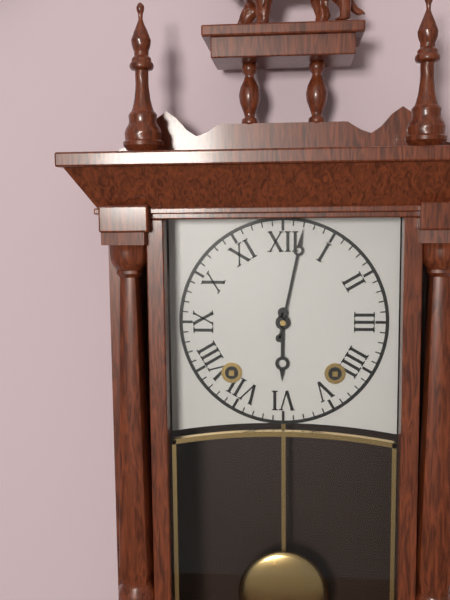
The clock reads 6,02
